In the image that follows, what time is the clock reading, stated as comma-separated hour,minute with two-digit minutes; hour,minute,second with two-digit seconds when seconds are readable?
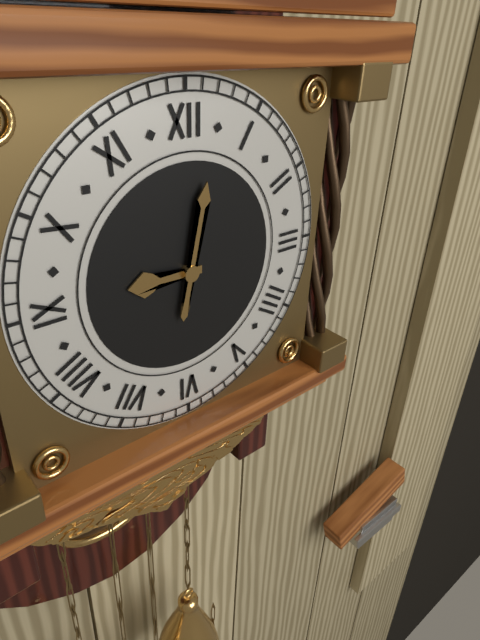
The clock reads 9,02
